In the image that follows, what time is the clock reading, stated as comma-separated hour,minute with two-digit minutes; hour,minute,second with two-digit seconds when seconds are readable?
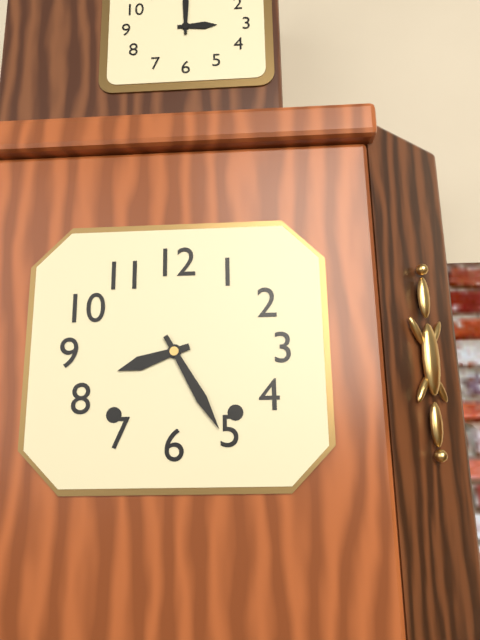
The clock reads 8,25
